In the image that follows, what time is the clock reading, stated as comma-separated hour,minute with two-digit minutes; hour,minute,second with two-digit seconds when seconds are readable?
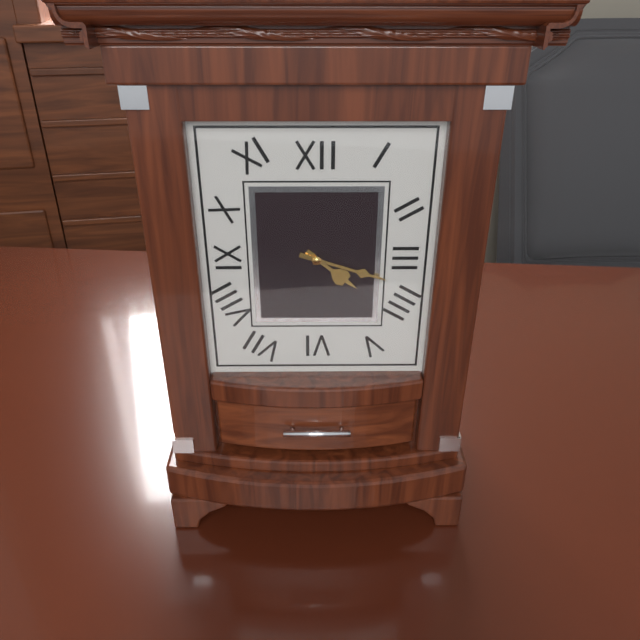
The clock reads 4,18
